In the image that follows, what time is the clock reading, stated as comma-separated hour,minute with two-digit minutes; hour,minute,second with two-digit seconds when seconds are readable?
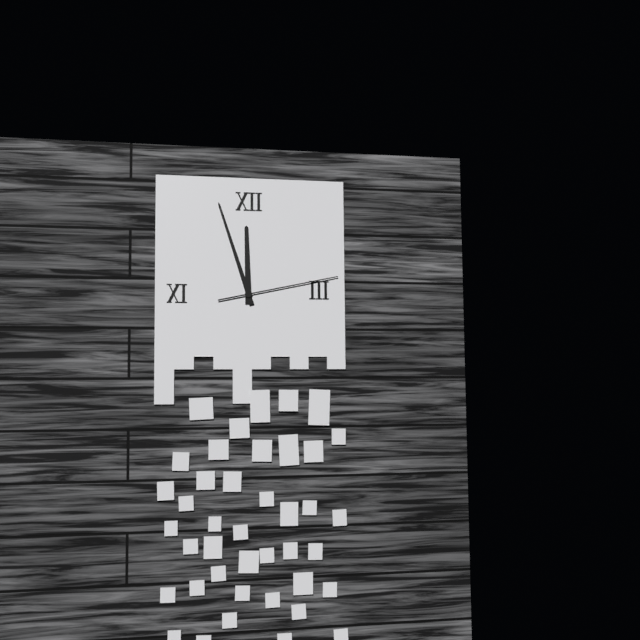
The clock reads 11,57,13
